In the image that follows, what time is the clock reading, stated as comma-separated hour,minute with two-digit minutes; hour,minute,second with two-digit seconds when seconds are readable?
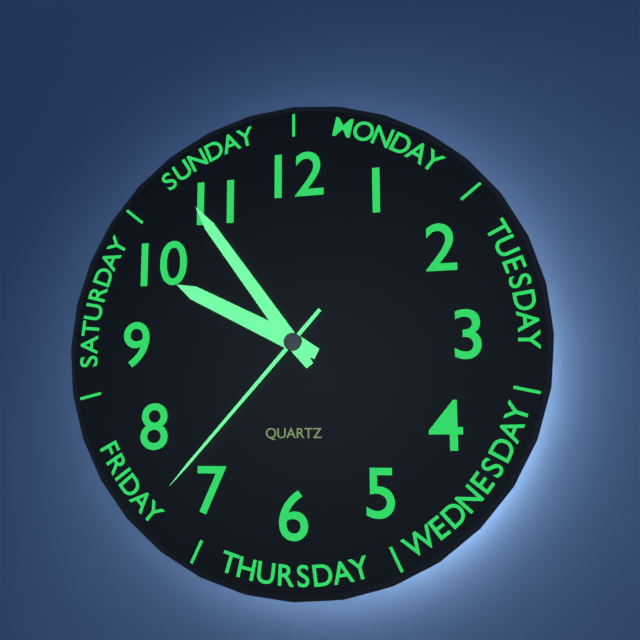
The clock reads 9,54,37
